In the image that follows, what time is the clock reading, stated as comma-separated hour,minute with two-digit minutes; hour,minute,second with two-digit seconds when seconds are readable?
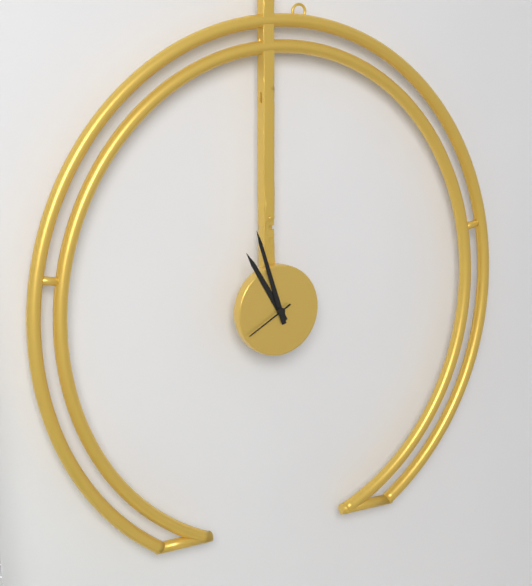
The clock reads 10,57,40
